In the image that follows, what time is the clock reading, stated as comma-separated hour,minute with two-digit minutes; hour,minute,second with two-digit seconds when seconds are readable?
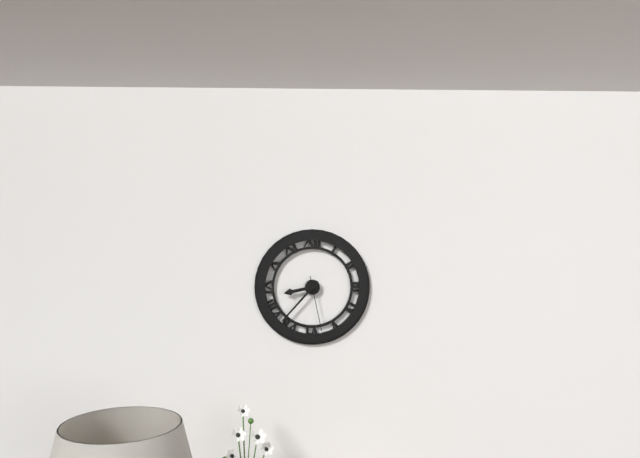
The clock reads 8,37,28
